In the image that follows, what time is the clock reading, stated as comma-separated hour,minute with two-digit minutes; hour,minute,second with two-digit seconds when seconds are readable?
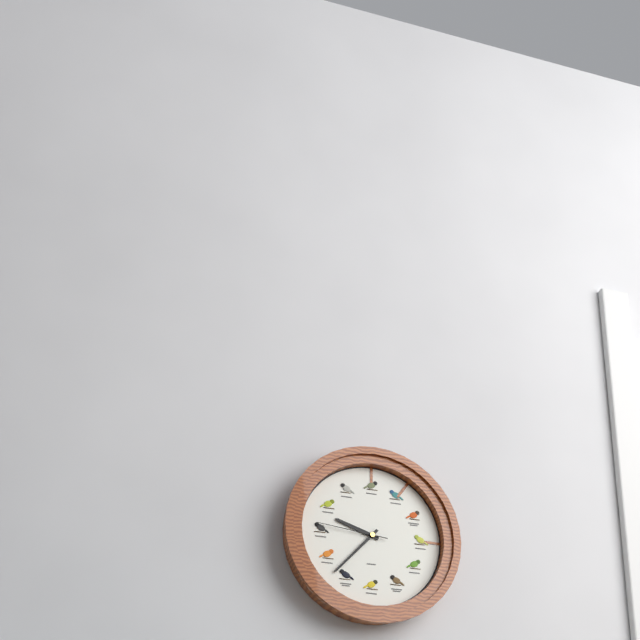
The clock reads 9,37,46
